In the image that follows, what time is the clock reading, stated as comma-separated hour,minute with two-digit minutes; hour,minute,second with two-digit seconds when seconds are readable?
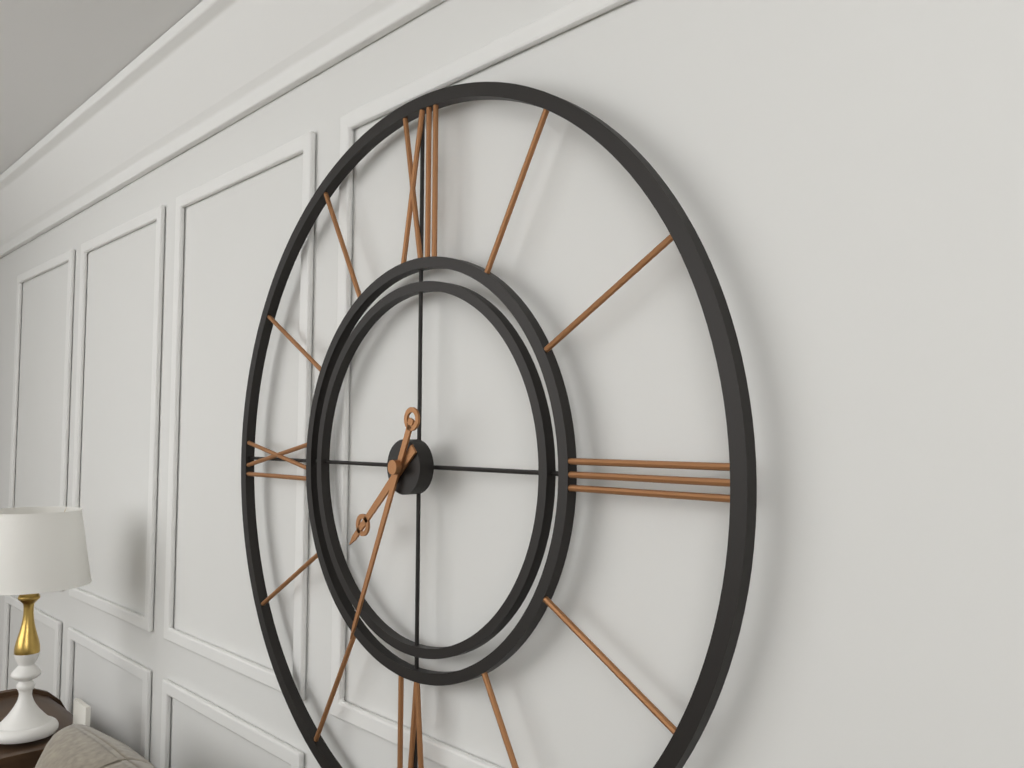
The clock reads 7,34
